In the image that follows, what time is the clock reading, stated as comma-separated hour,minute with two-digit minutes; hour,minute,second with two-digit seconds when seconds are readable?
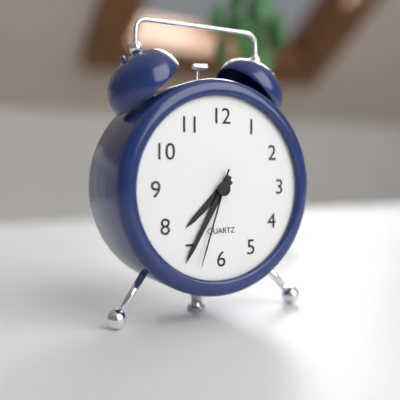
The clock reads 7,35,33
